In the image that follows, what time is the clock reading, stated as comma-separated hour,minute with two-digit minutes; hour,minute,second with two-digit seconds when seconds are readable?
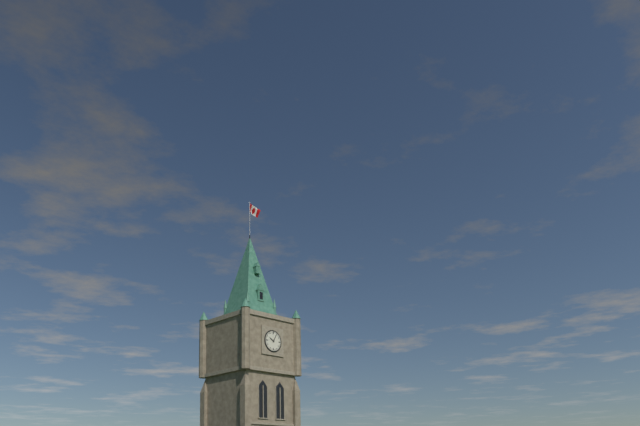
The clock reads 10,05
